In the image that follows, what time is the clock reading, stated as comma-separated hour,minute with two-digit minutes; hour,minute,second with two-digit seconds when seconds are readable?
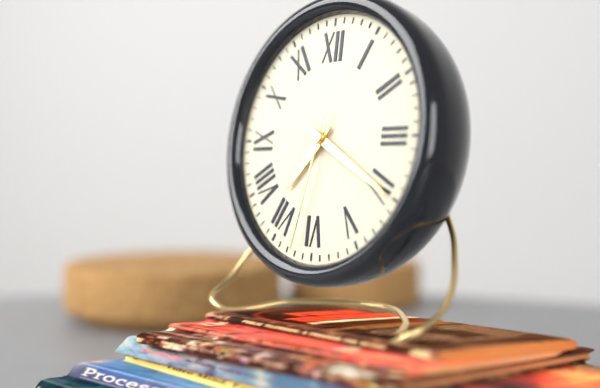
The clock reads 7,20,32
